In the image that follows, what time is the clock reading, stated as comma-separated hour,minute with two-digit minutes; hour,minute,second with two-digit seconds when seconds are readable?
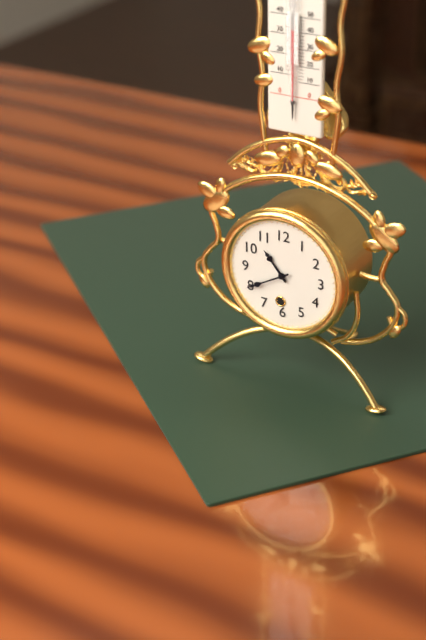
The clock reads 10,40
